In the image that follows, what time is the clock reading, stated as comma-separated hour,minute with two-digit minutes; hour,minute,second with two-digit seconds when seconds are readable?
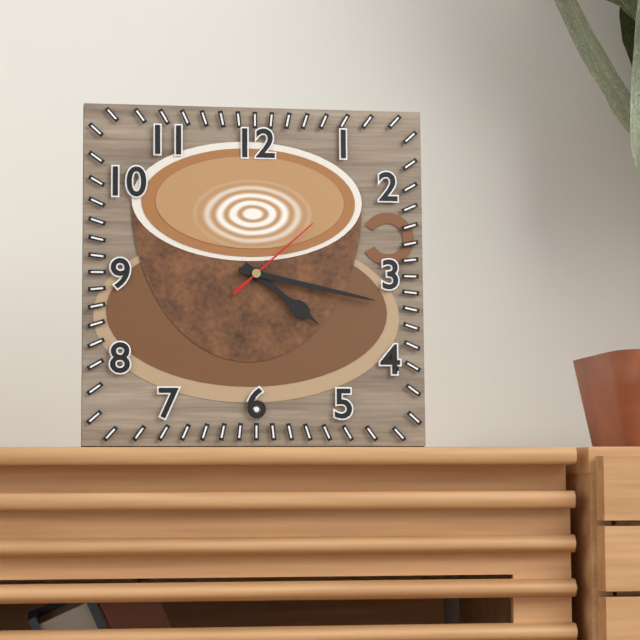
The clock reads 4,17,08
